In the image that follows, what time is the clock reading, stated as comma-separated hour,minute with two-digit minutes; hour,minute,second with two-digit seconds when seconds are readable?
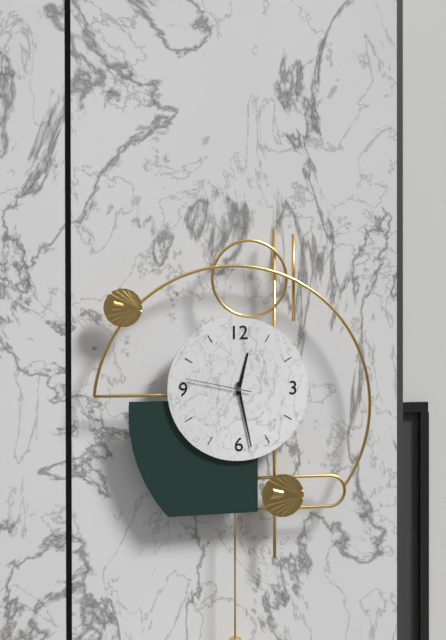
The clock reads 12,28,47
